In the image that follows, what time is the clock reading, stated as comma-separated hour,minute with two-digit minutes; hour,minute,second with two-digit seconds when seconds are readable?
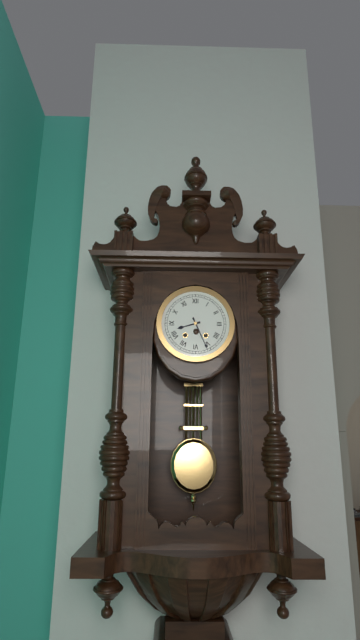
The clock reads 8,26
